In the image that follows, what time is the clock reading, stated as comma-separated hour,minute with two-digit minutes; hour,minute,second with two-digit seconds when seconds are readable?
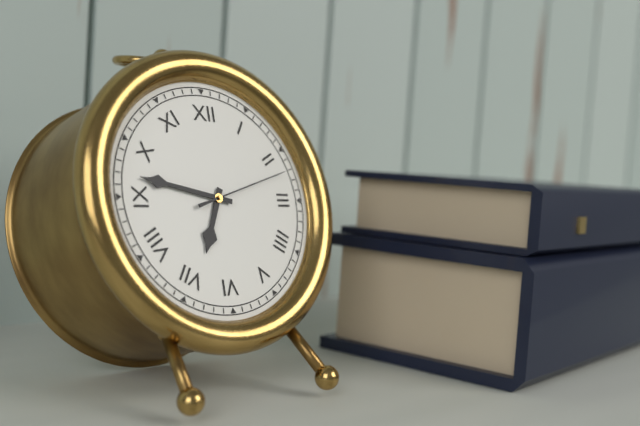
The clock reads 6,47,12
